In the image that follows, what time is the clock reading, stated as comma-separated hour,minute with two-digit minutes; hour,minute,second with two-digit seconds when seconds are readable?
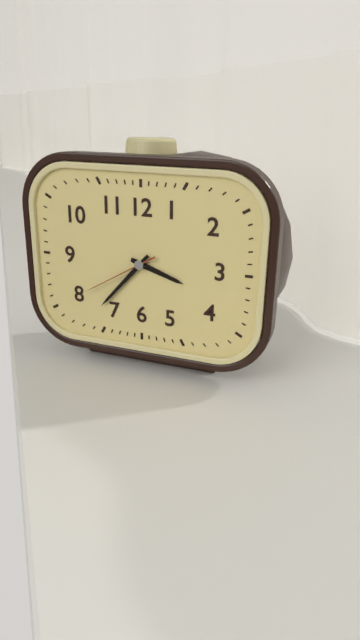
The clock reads 3,37,40
